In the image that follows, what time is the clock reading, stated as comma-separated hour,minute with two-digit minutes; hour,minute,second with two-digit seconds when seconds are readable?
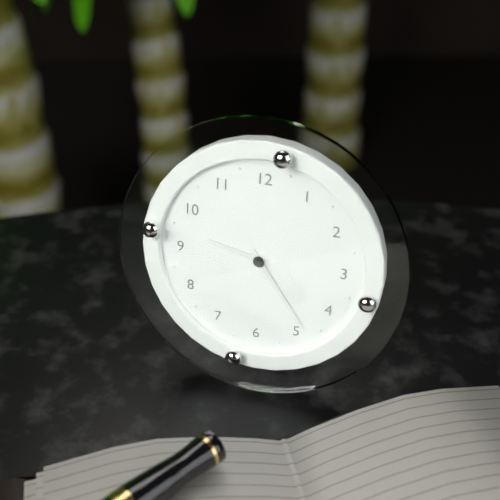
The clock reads 9,24
